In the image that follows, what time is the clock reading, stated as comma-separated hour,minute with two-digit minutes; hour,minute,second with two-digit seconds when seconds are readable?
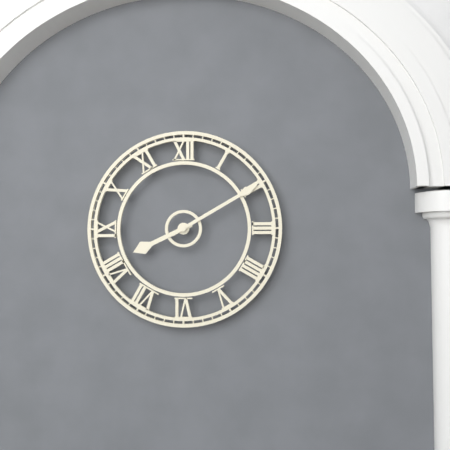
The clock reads 8,10
